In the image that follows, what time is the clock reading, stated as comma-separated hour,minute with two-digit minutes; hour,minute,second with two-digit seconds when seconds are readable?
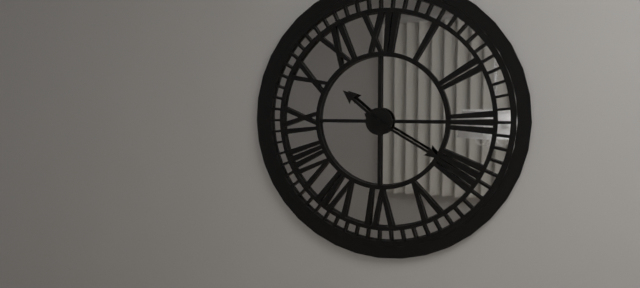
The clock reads 10,20
